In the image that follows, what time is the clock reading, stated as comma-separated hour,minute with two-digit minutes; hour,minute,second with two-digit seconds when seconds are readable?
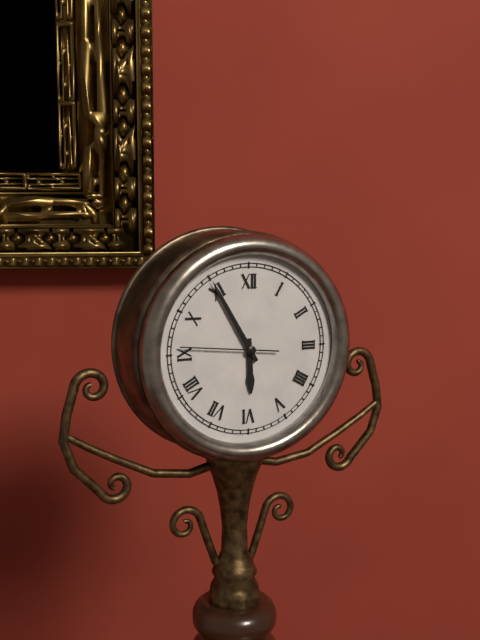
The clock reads 5,55,46
